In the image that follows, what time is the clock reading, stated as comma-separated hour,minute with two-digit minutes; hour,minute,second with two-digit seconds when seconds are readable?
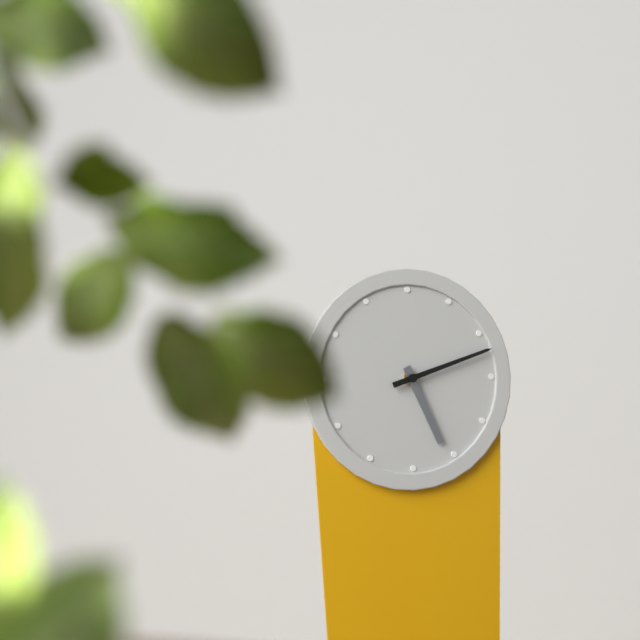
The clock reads 5,12
